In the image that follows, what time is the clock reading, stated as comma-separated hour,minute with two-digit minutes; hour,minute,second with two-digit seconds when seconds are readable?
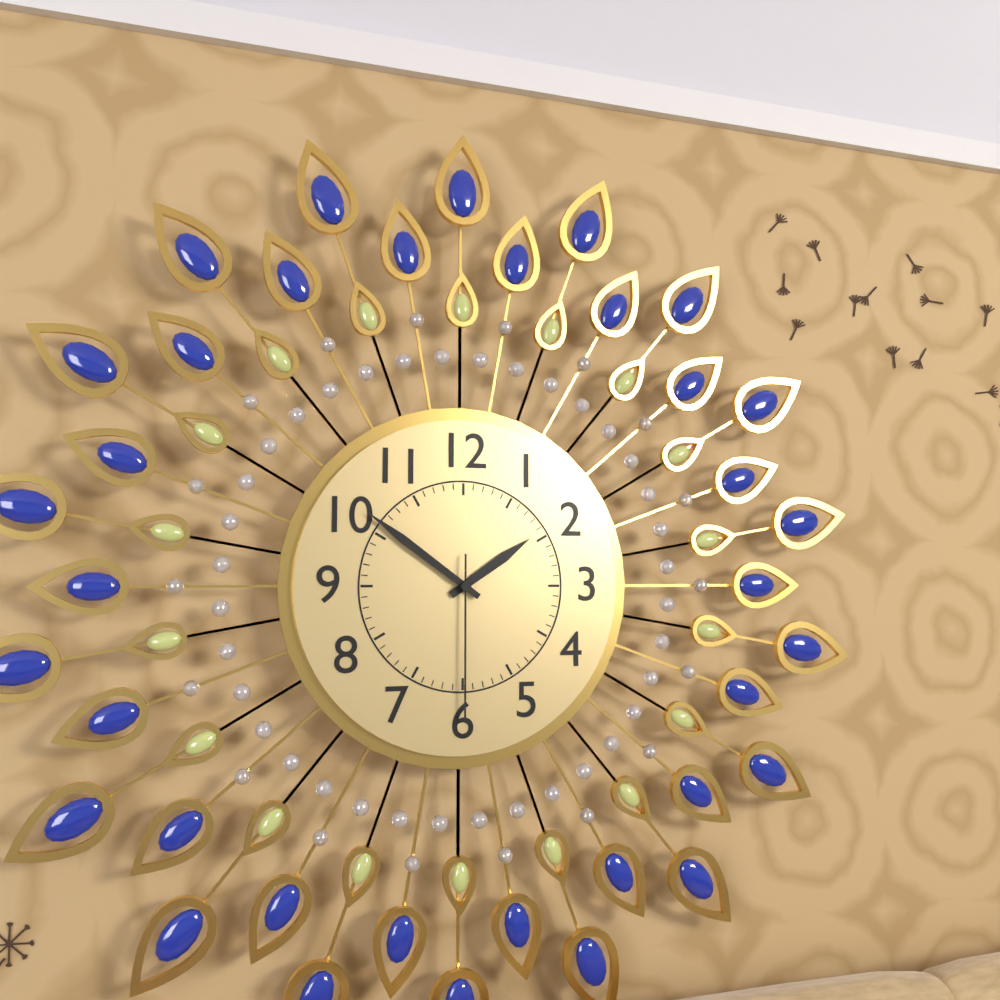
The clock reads 1,51,30
